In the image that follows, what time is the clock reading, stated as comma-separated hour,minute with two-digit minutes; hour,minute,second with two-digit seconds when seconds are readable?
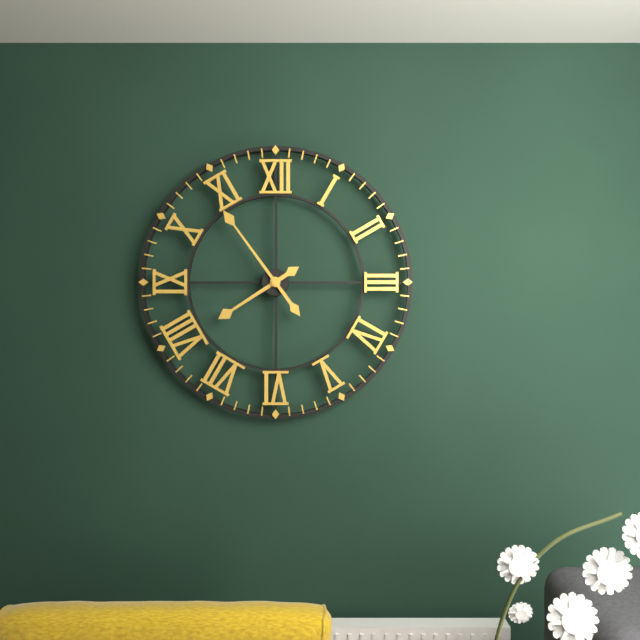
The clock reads 7,54
